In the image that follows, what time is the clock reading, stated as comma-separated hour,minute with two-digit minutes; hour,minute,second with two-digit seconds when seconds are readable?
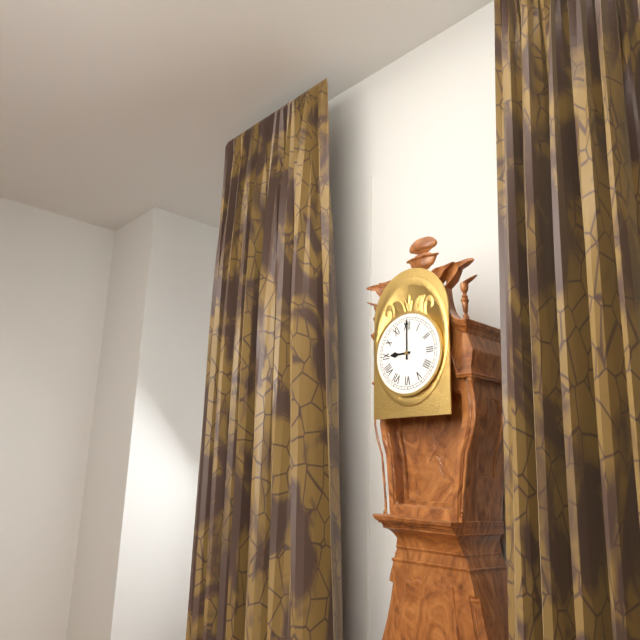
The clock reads 9,00
